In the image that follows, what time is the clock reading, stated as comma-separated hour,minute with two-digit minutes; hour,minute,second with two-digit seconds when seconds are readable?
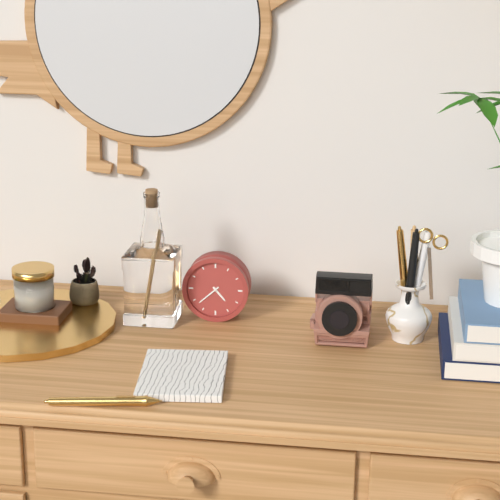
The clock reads 4,38
